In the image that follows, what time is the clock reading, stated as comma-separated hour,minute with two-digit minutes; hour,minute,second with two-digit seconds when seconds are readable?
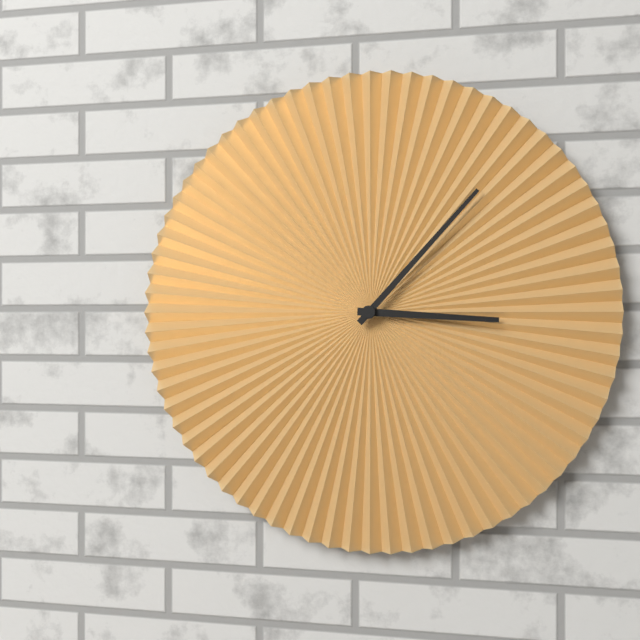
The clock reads 3,07
